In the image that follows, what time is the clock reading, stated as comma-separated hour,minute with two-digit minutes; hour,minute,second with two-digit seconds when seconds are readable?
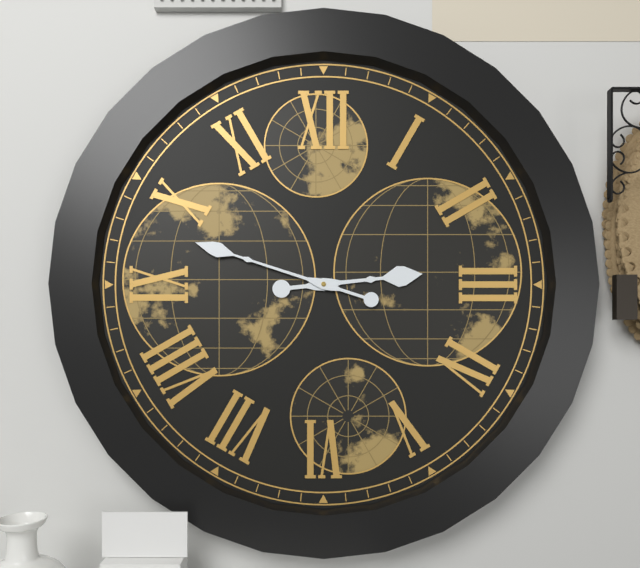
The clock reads 2,48
